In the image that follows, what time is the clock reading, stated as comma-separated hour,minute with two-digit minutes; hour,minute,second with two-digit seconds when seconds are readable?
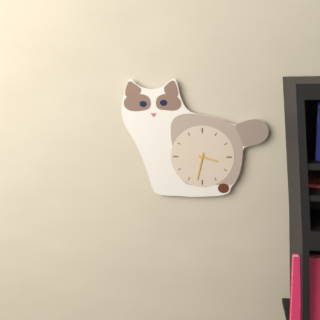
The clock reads 3,32
